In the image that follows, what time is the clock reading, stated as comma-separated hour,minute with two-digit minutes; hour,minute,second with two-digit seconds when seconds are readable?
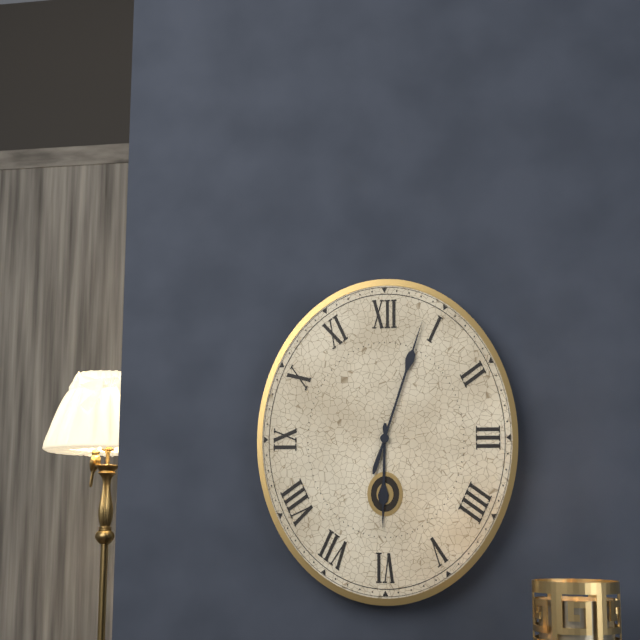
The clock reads 6,03
